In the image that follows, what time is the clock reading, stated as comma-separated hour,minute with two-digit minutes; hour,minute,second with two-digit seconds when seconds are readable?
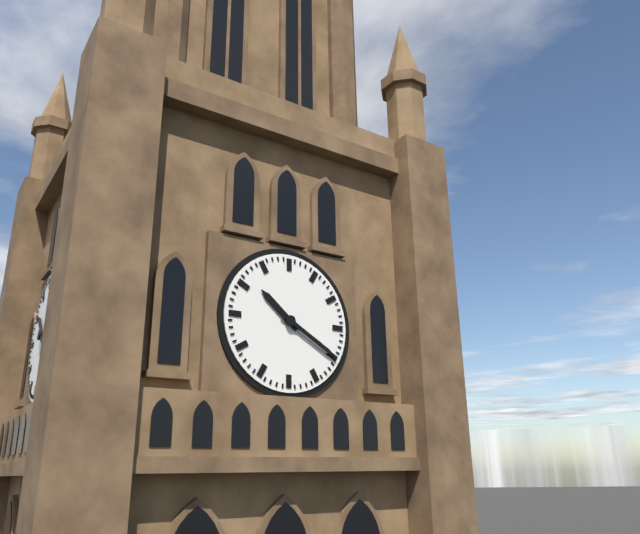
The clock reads 10,20
